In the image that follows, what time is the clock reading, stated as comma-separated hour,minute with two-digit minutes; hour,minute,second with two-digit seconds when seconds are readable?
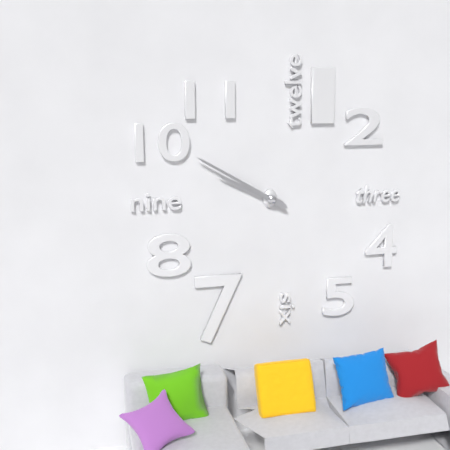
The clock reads 9,50
